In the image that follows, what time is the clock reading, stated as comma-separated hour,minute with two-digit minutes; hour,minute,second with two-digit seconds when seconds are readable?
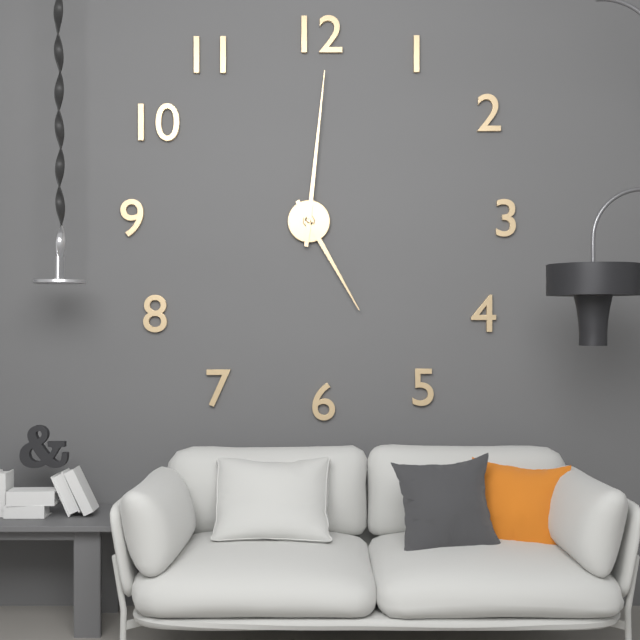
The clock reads 5,01
